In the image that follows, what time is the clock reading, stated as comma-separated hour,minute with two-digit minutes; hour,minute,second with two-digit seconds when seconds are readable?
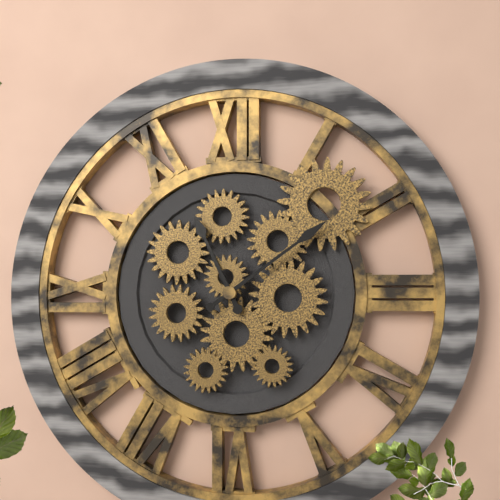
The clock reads 11,09
